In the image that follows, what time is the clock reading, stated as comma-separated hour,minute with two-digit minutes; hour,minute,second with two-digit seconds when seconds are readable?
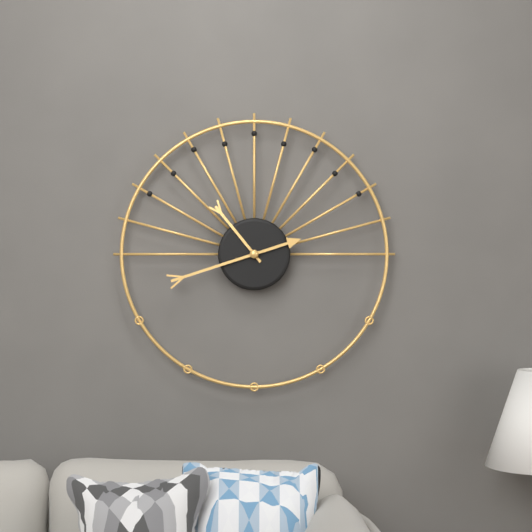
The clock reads 10,42
